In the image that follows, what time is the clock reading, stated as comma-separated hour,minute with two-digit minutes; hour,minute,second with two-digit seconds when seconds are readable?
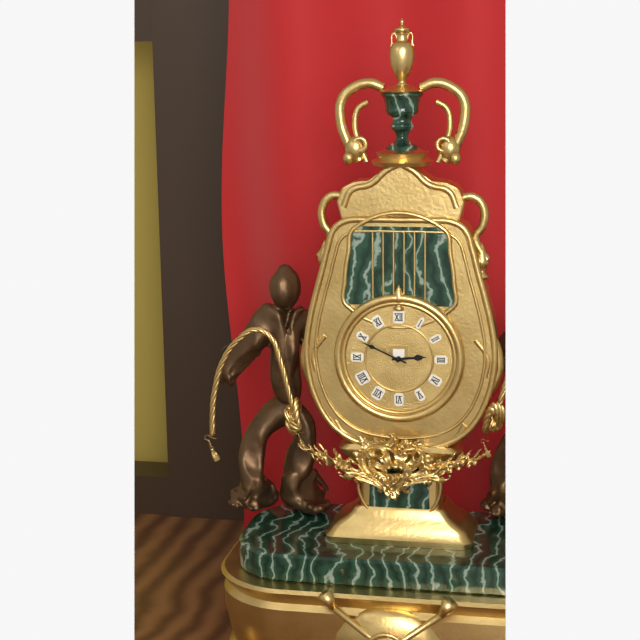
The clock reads 2,49
